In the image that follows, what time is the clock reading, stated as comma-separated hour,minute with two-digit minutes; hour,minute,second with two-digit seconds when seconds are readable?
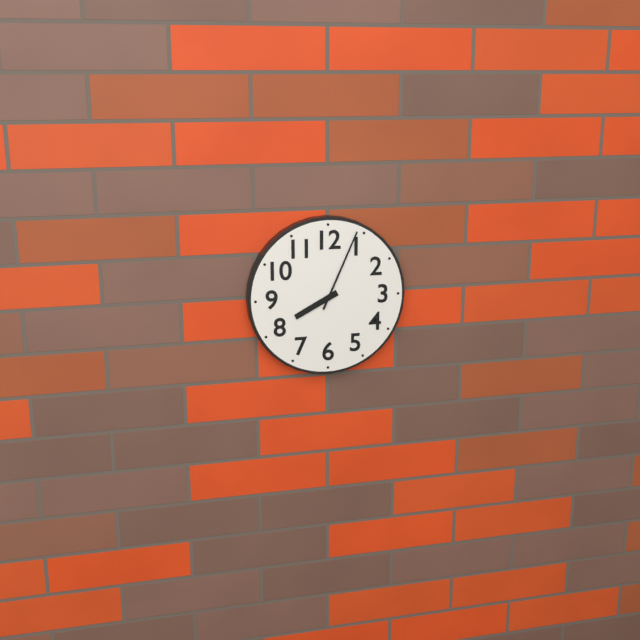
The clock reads 8,04
